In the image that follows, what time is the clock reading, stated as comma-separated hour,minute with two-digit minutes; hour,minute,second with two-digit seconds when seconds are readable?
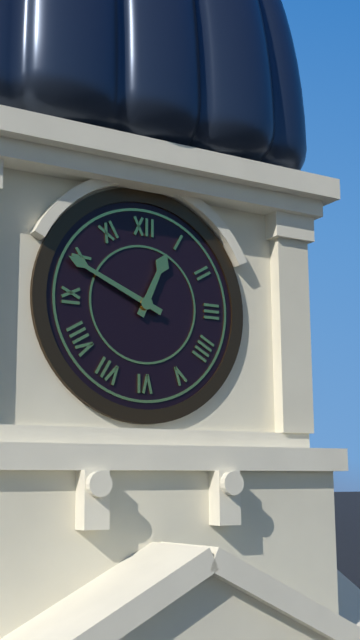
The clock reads 12,49
